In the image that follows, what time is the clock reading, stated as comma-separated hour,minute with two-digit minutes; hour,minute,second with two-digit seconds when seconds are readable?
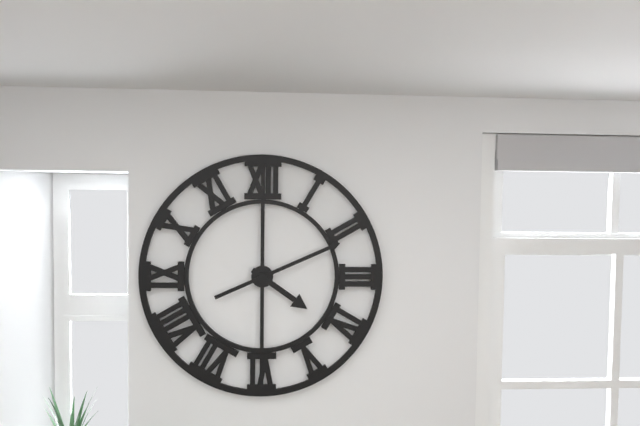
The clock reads 4,11
